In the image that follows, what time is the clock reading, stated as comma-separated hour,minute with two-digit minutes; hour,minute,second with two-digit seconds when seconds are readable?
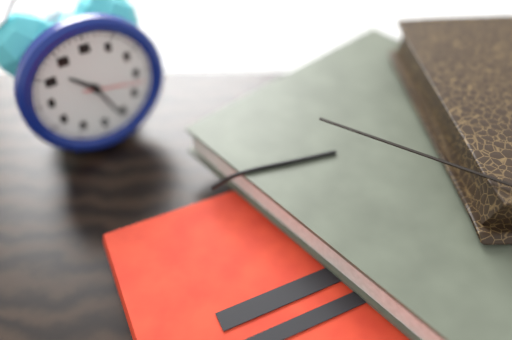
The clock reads 10,26,17
